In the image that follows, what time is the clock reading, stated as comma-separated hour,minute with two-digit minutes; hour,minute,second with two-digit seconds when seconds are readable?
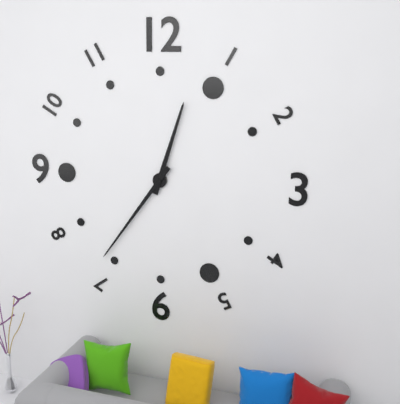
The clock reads 12,36
